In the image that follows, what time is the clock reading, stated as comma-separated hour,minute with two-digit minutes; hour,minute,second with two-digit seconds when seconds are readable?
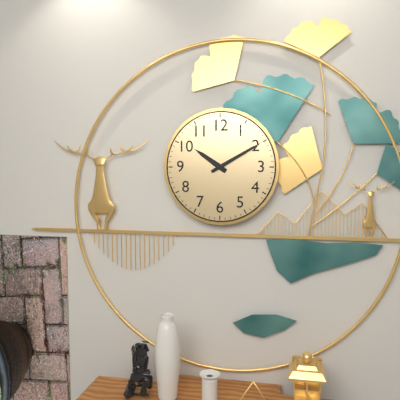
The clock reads 10,10
